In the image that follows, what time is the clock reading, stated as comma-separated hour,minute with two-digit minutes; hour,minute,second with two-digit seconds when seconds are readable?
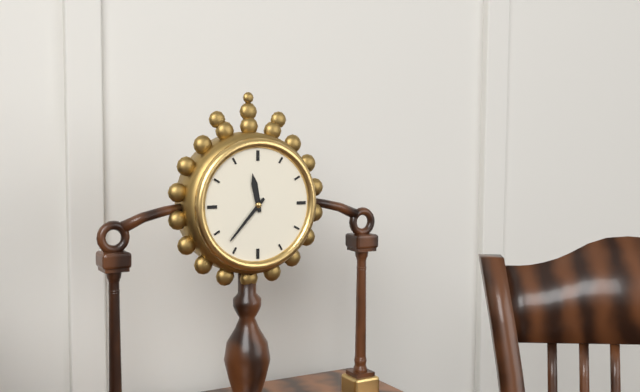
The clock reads 11,37
